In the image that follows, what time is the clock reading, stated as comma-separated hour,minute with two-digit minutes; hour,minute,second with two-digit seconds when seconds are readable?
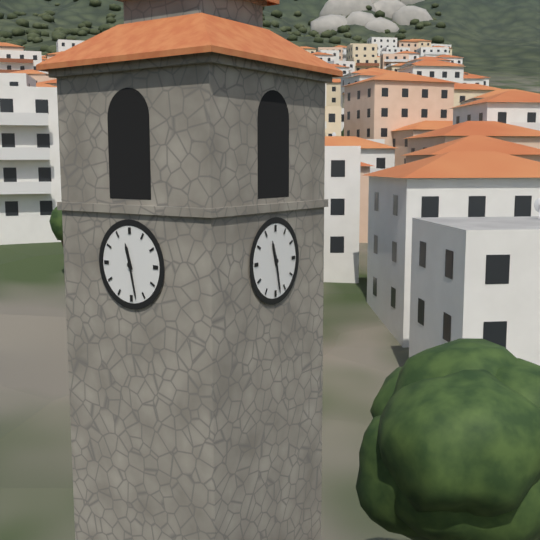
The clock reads 11,28
